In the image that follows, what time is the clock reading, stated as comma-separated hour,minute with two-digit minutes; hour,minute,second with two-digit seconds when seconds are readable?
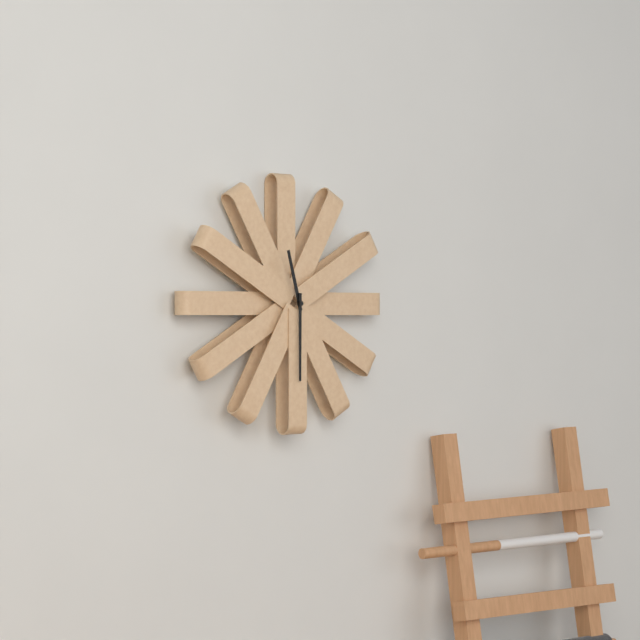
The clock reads 11,30
